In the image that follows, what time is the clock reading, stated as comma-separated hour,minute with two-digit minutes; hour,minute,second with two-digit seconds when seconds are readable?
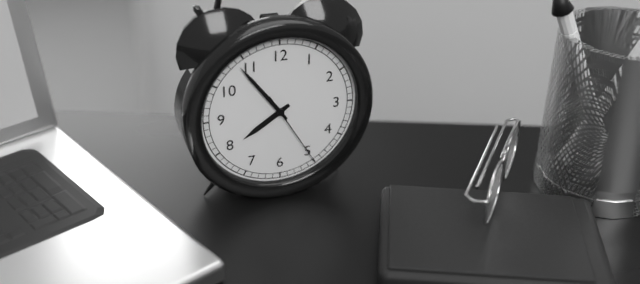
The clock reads 7,54,25
